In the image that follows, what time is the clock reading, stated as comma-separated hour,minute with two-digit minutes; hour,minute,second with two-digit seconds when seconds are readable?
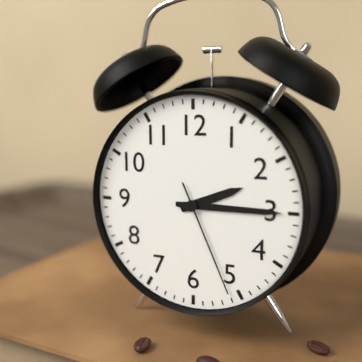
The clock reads 2,15,26
